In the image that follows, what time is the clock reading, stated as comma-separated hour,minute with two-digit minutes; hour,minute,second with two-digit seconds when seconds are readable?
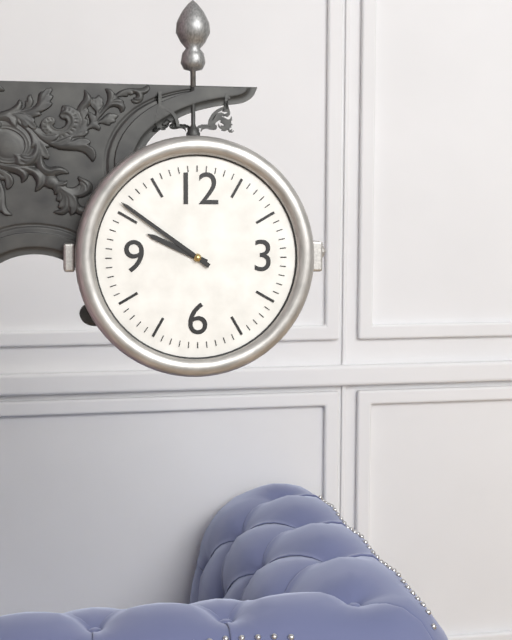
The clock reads 9,51
